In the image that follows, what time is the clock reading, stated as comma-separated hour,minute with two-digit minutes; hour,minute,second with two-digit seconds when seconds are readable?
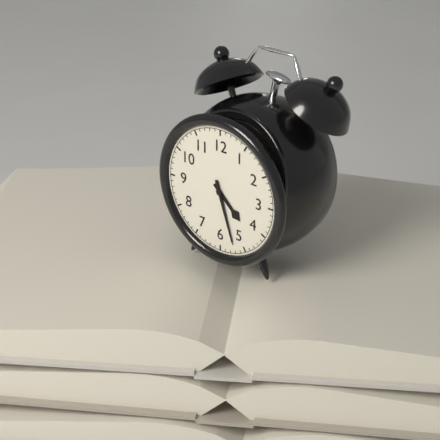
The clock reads 4,27
